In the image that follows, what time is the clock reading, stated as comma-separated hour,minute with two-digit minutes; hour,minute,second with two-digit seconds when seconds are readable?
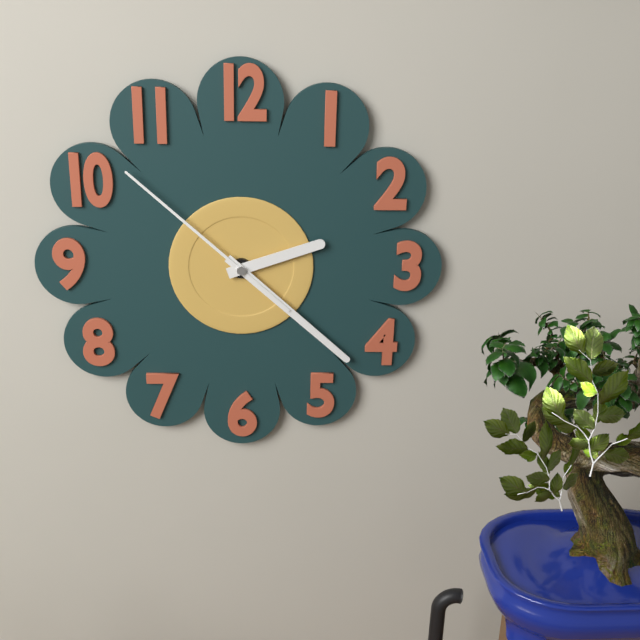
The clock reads 2,22,52
